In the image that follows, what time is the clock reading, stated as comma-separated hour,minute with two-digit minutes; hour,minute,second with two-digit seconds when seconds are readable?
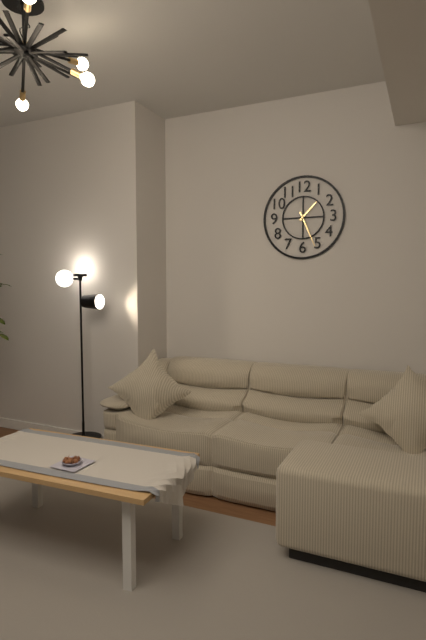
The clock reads 1,26
